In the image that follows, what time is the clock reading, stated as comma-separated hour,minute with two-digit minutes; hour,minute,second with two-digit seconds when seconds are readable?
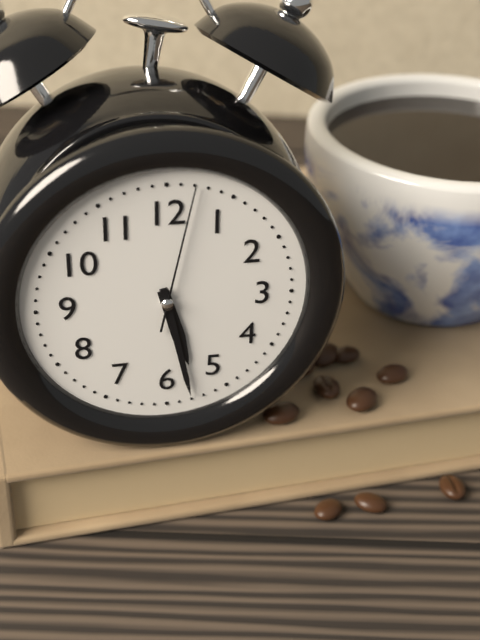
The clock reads 5,28,02
